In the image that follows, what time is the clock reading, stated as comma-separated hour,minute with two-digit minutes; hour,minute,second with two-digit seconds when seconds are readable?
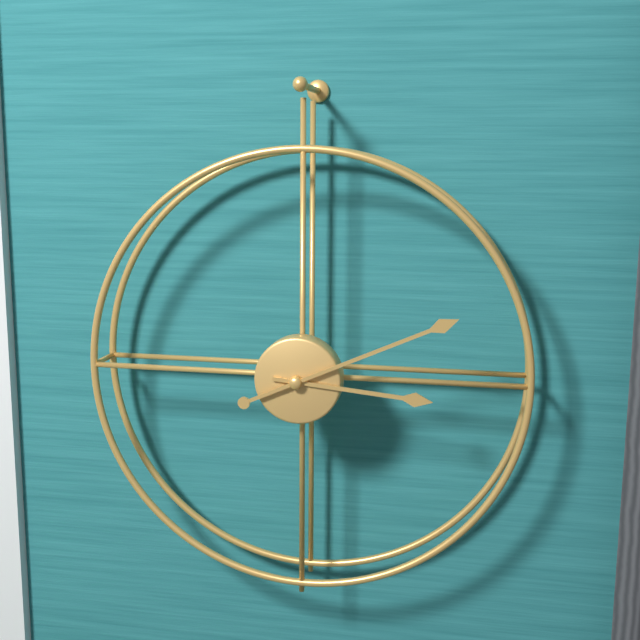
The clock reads 3,11
